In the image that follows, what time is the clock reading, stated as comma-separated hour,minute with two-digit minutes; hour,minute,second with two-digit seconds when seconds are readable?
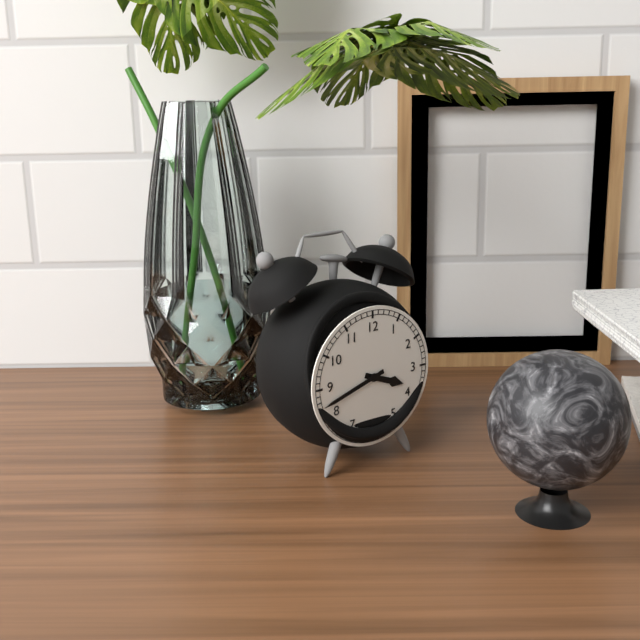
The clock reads 3,42
